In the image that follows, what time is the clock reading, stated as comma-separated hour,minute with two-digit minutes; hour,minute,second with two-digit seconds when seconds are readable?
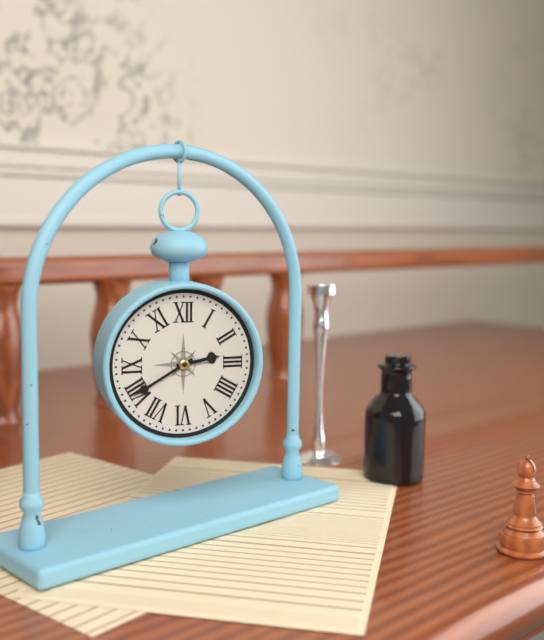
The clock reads 2,40
